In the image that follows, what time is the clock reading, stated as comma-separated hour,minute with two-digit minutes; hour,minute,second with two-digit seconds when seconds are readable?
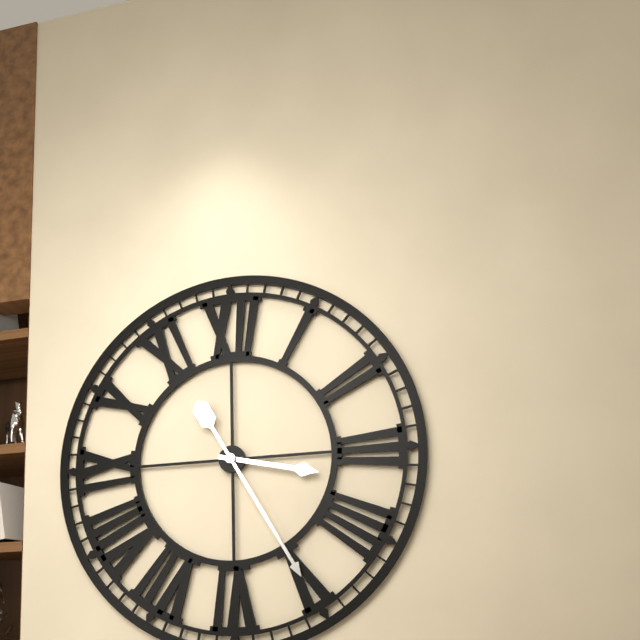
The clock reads 3,25
